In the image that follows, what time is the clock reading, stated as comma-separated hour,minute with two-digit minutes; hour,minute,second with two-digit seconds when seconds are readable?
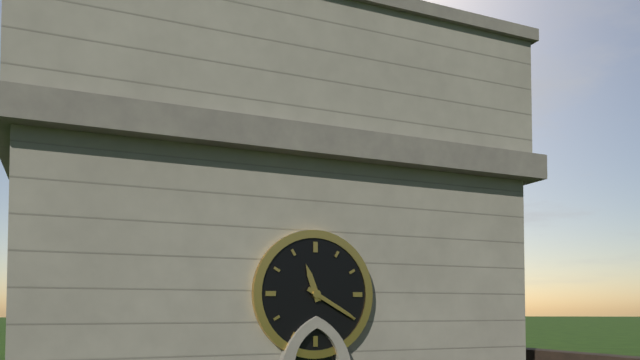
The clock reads 11,20
